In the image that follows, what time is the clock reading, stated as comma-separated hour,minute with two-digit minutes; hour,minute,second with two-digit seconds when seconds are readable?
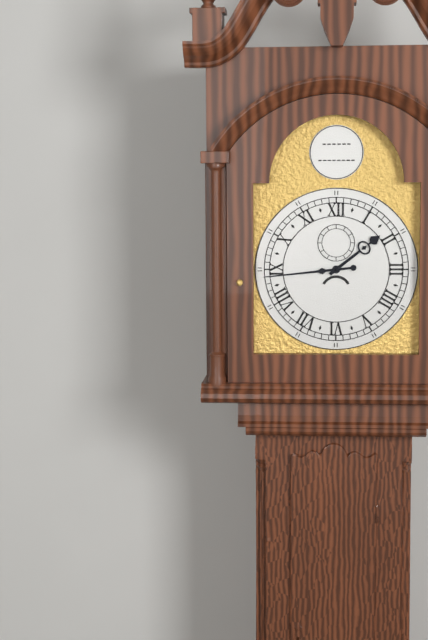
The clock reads 1,44
